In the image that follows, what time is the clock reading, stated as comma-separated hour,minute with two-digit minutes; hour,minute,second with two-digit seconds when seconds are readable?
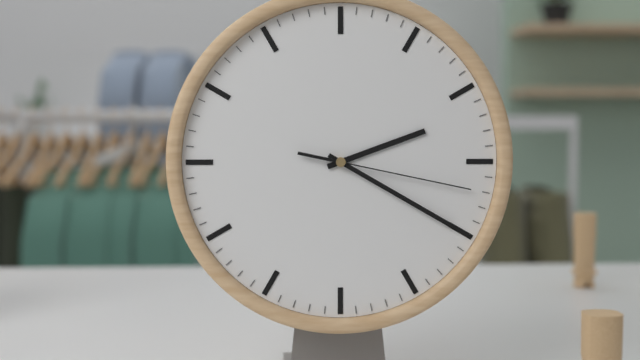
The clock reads 2,20,17
